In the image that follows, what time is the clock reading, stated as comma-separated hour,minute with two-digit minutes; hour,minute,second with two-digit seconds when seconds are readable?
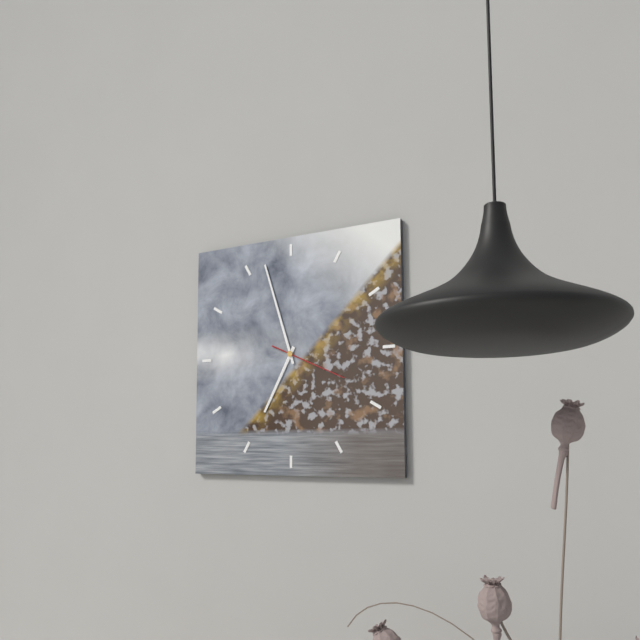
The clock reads 6,57,19
